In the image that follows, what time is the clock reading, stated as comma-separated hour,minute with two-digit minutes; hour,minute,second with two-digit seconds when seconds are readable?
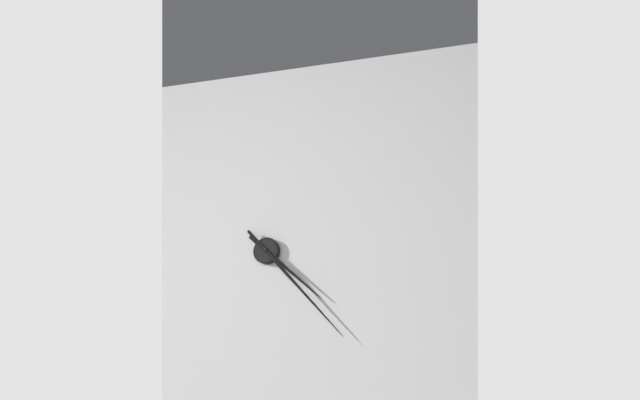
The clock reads 4,23
